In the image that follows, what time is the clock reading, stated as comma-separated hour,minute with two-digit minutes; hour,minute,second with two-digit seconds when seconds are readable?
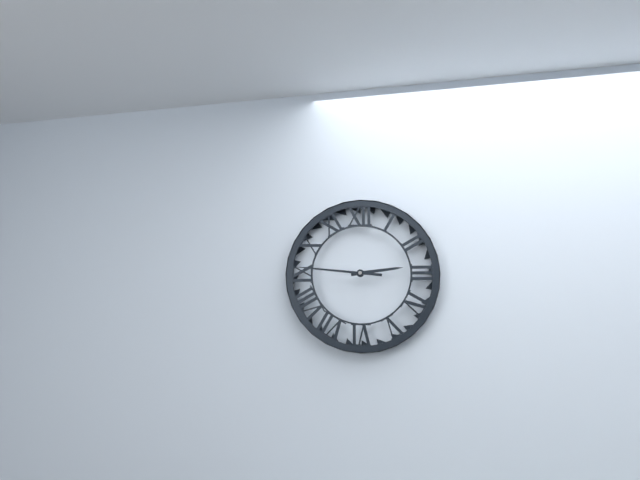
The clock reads 2,46
